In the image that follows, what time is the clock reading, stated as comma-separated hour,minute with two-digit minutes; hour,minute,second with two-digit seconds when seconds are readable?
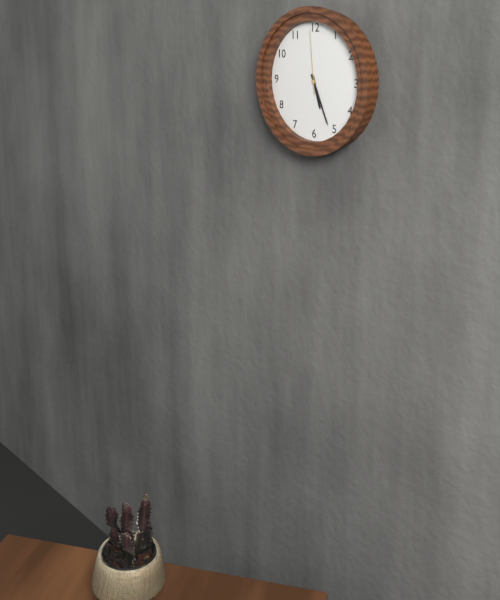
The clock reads 5,26,59
